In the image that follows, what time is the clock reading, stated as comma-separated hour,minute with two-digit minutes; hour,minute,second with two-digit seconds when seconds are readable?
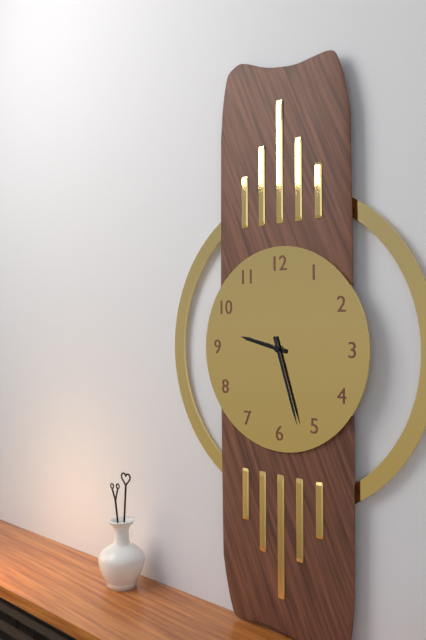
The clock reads 9,27
